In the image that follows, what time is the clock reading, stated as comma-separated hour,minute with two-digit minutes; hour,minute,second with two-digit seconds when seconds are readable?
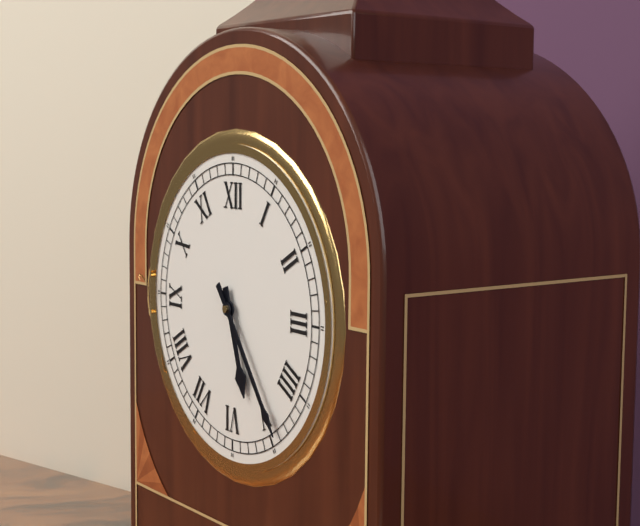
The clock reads 5,24
